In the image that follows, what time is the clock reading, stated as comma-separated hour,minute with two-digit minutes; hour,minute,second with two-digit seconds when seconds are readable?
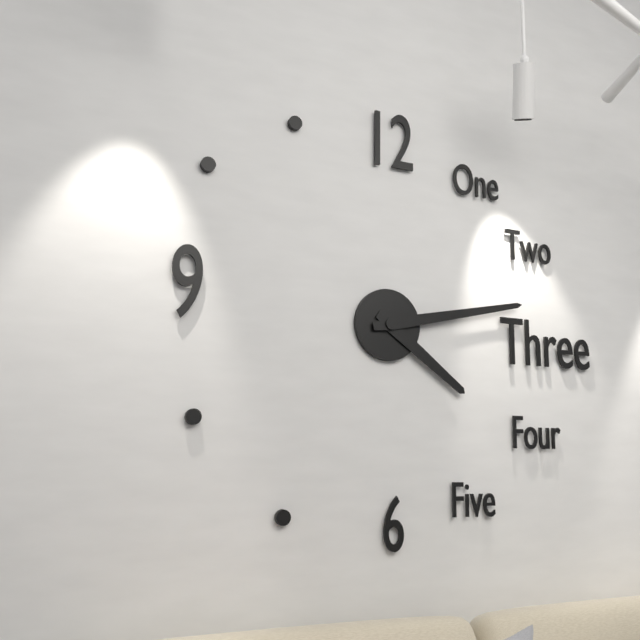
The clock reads 4,13
